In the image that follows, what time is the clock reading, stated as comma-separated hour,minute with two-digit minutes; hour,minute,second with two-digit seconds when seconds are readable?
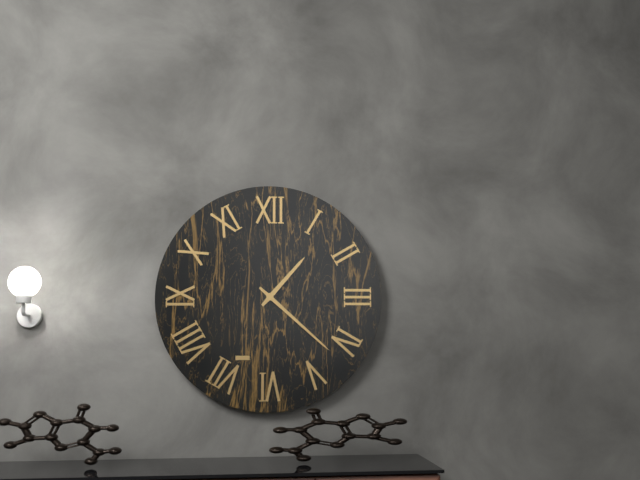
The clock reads 1,22
